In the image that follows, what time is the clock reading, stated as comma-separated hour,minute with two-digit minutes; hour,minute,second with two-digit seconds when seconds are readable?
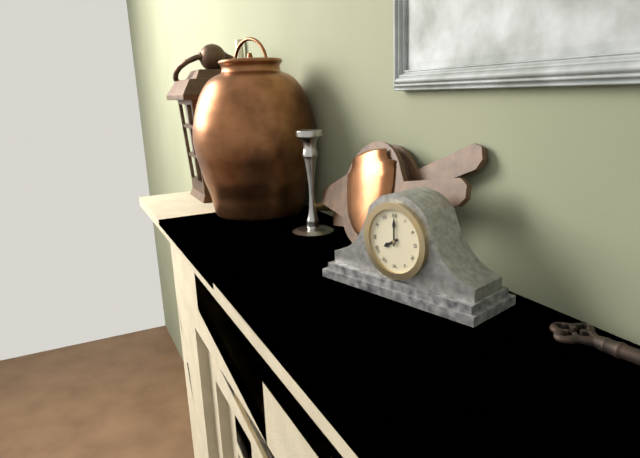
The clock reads 8,00
